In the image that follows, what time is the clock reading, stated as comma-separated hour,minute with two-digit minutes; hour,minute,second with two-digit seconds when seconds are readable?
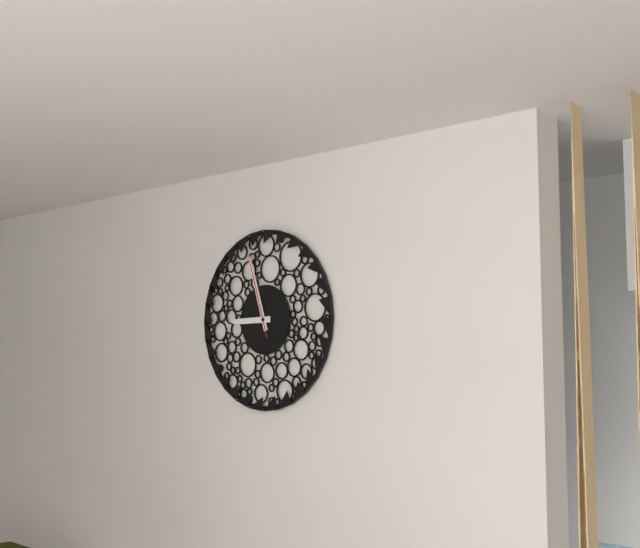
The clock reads 8,57,57
